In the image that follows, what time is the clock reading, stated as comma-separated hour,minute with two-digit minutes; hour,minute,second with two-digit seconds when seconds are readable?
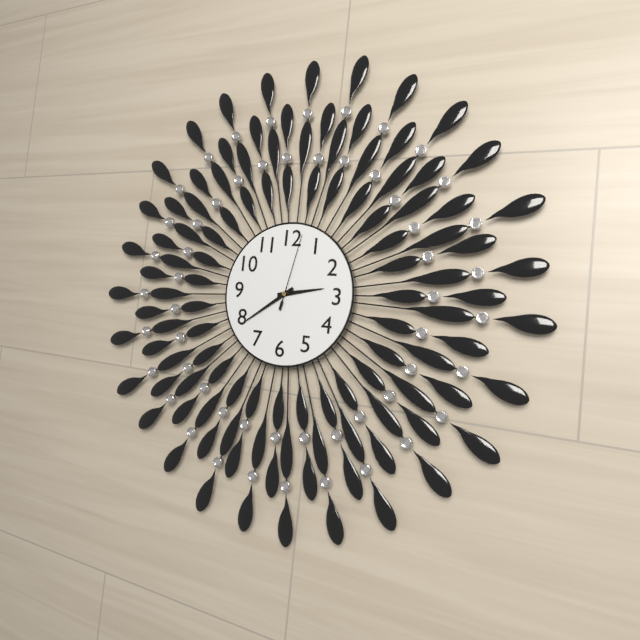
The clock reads 2,39,02
